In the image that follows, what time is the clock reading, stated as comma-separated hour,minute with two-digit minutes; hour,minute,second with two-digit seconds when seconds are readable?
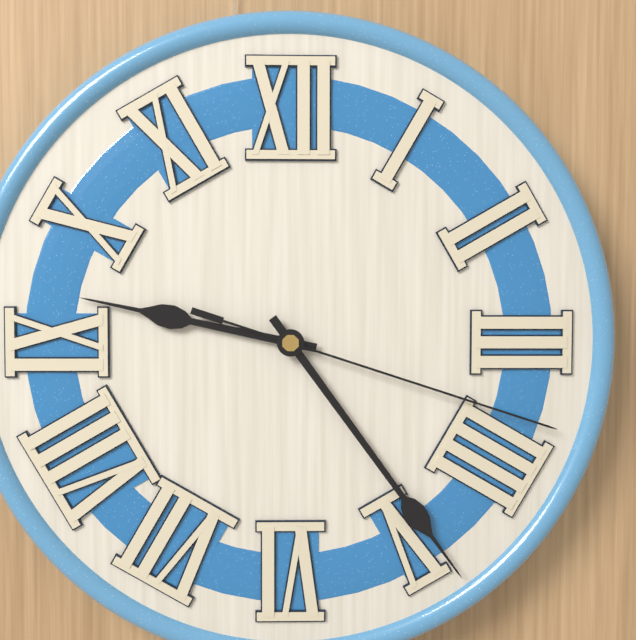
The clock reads 9,24,18
